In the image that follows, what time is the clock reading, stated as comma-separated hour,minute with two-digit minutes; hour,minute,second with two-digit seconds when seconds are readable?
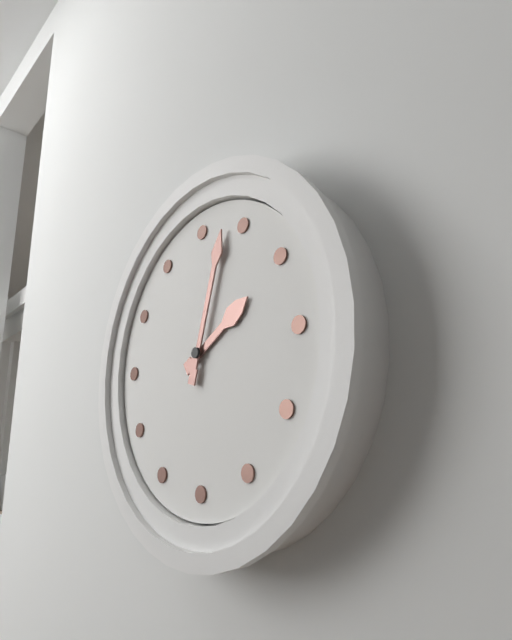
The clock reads 2,03
